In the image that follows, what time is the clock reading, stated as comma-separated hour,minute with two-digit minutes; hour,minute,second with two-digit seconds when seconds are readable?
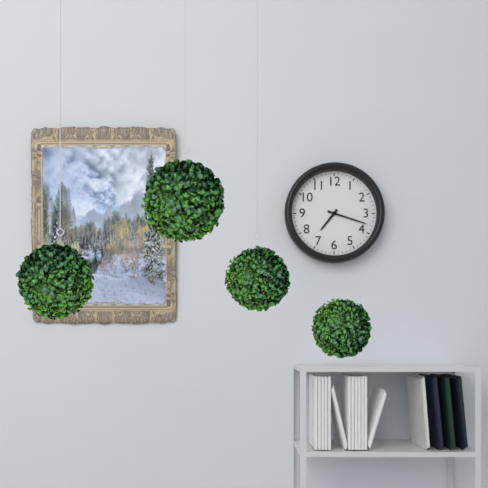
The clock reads 7,18
